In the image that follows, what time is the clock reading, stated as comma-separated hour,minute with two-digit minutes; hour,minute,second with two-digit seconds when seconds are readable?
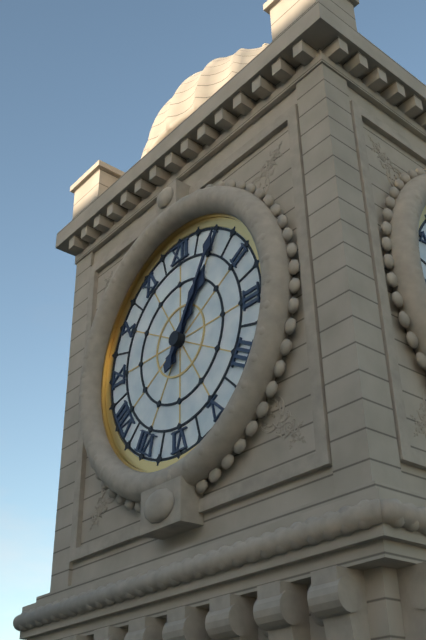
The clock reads 1,05
